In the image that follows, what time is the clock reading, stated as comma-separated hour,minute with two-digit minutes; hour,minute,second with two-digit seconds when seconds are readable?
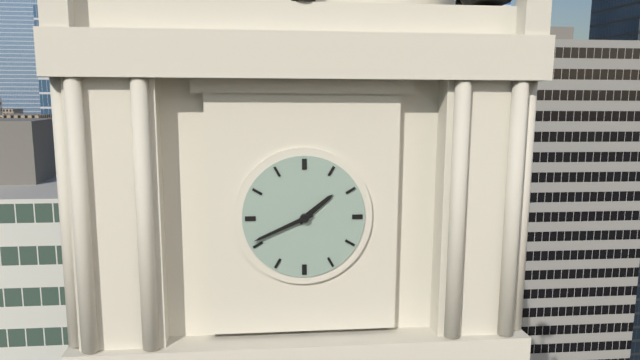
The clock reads 1,41
